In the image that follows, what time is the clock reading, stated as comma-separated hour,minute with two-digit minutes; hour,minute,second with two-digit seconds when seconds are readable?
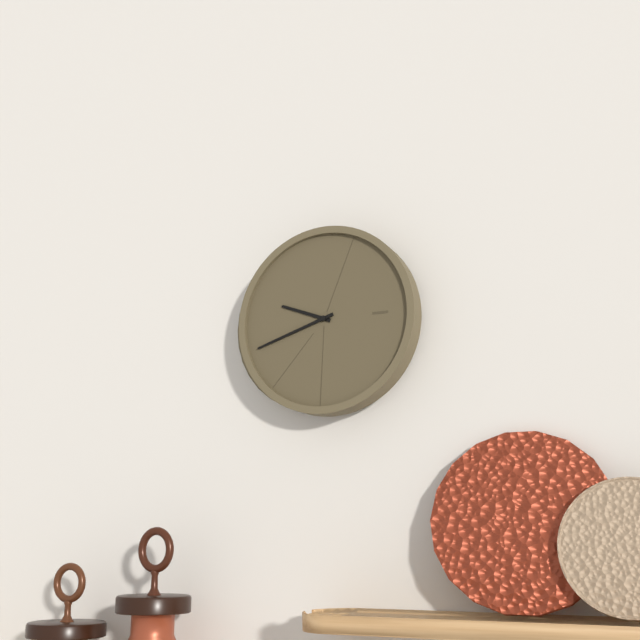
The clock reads 9,42
